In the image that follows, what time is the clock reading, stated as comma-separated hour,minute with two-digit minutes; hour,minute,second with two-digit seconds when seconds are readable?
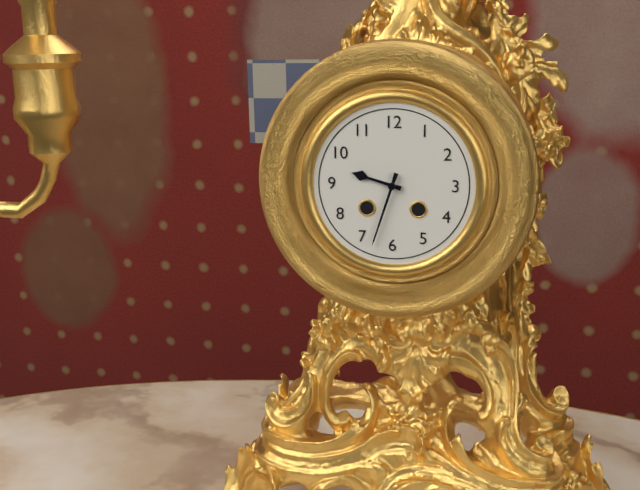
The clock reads 9,33
